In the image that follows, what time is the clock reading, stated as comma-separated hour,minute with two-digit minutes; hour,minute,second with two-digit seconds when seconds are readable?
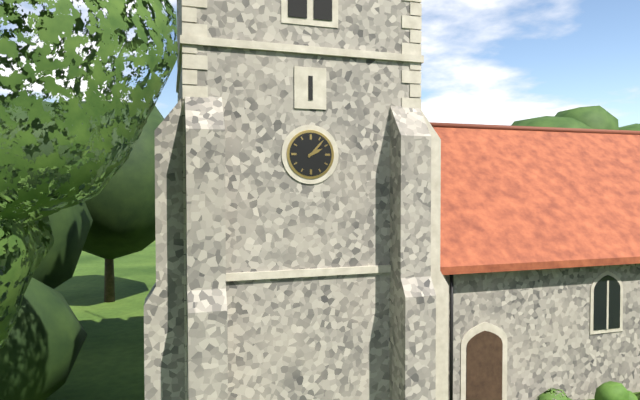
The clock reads 2,07
